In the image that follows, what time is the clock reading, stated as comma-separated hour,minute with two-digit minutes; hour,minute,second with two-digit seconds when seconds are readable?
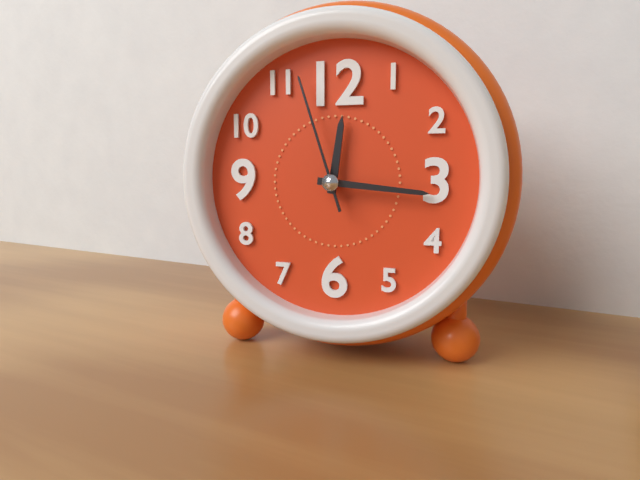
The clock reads 12,16,57
